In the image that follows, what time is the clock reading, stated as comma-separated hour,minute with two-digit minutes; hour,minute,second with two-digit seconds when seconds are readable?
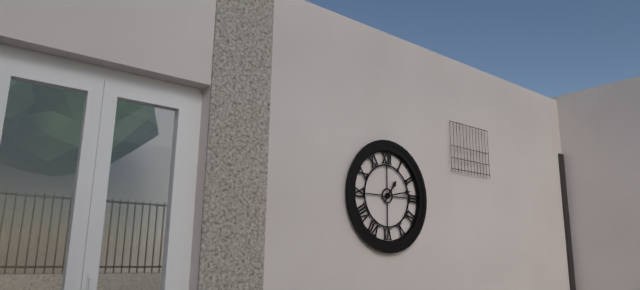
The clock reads 1,13
